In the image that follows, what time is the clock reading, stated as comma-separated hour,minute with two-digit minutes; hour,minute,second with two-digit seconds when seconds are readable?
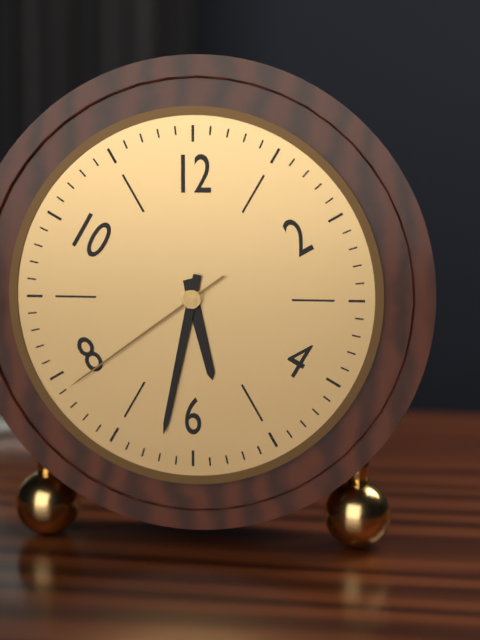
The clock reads 5,32,39
